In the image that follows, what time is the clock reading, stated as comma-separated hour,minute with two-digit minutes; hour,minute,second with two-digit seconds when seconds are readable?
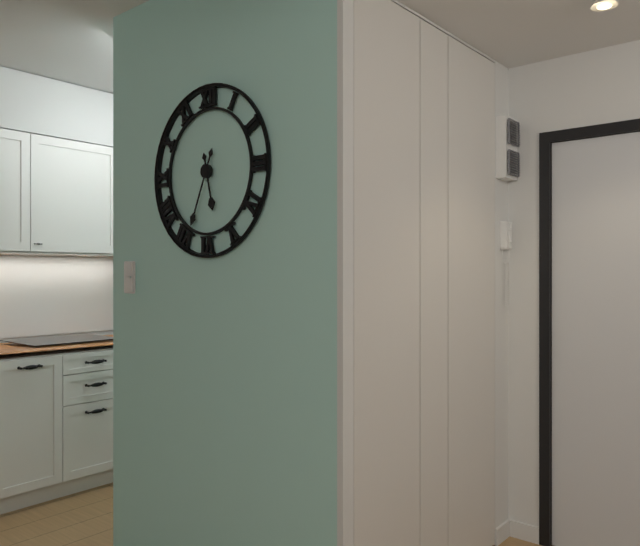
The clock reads 5,34
